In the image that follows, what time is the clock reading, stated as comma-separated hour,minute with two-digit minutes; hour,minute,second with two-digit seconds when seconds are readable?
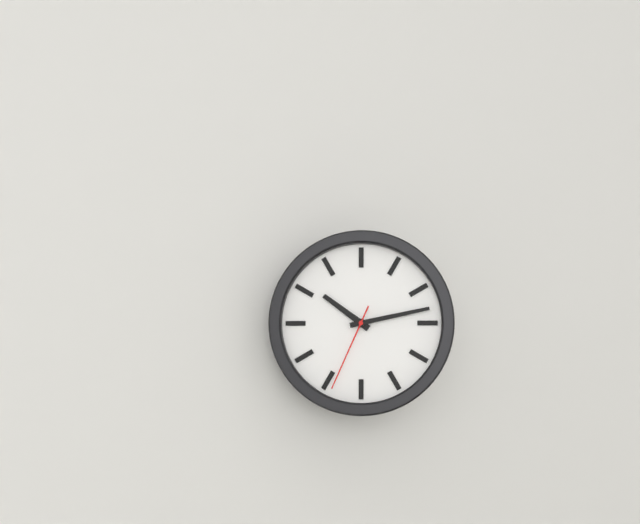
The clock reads 10,13,34
